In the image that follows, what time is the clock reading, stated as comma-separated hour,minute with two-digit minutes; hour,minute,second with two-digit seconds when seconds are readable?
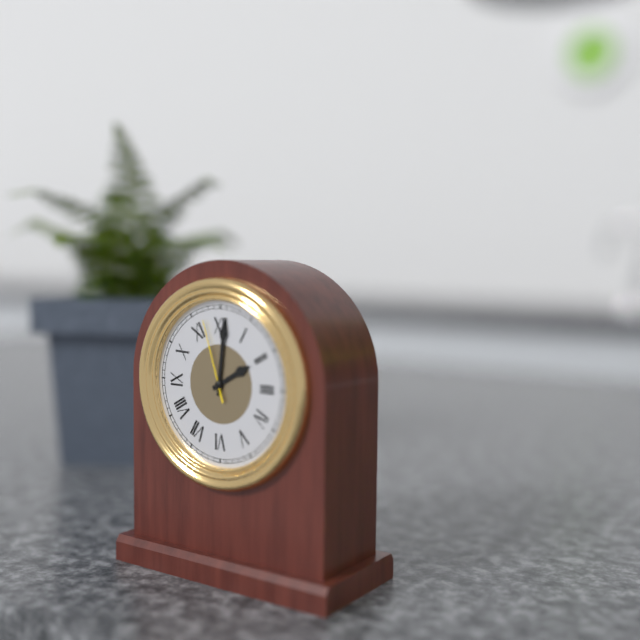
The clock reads 2,01,57
